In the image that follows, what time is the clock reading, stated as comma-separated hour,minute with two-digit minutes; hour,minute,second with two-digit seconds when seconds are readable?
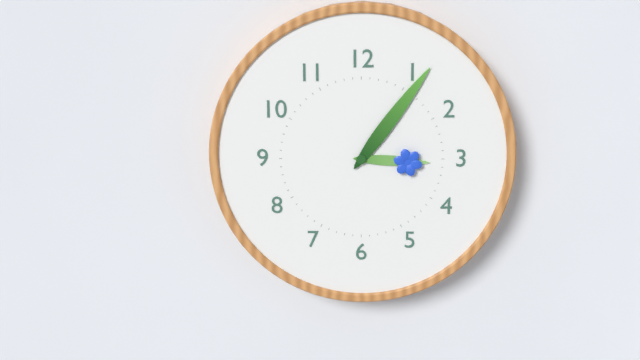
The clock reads 3,06
